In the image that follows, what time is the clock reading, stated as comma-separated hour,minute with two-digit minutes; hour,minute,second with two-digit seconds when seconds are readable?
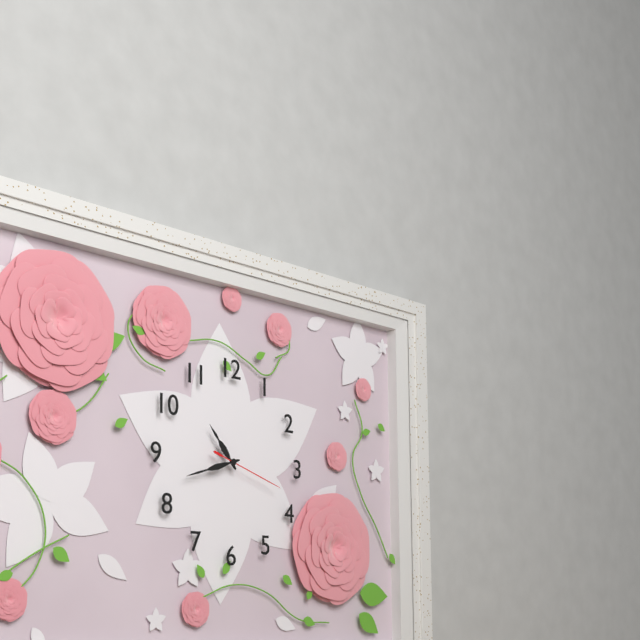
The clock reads 10,42,18
